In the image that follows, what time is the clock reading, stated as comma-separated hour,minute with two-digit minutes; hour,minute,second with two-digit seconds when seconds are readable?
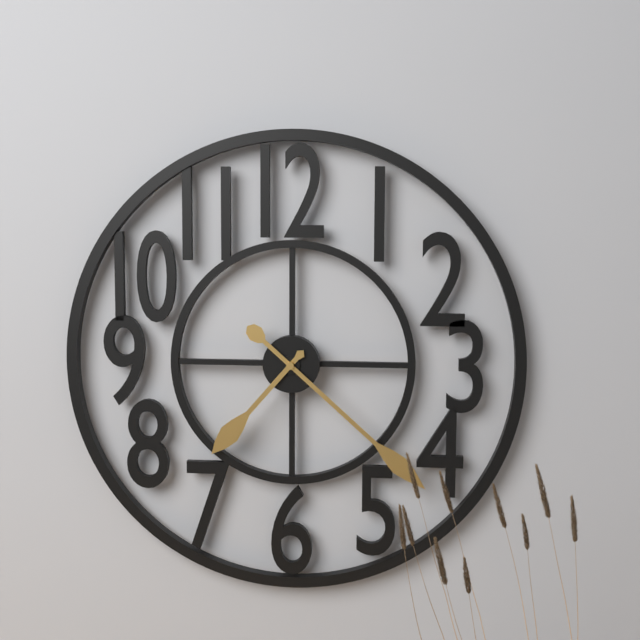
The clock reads 7,22
